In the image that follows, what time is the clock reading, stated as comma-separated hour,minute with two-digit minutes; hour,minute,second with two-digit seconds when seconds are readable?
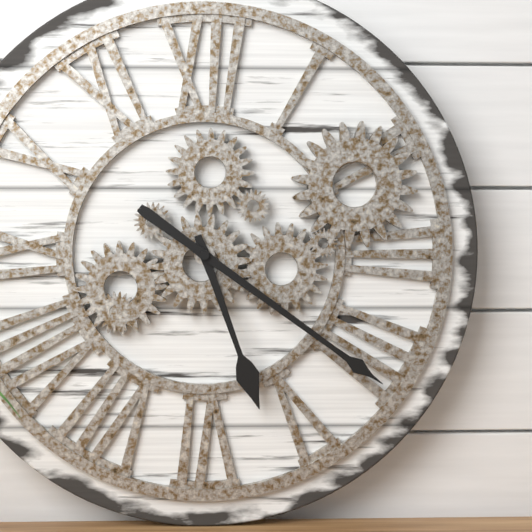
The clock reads 5,21
